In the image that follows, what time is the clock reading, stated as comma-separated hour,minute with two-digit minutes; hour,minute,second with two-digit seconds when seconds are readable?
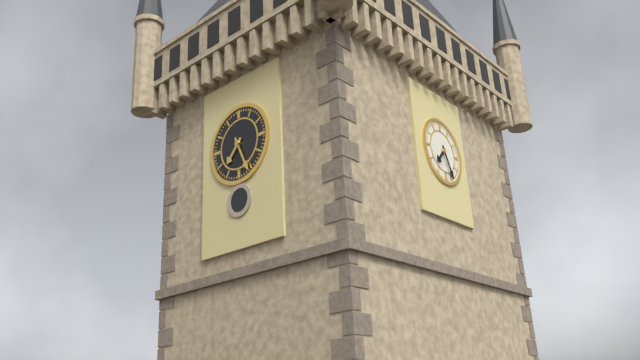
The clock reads 7,26
